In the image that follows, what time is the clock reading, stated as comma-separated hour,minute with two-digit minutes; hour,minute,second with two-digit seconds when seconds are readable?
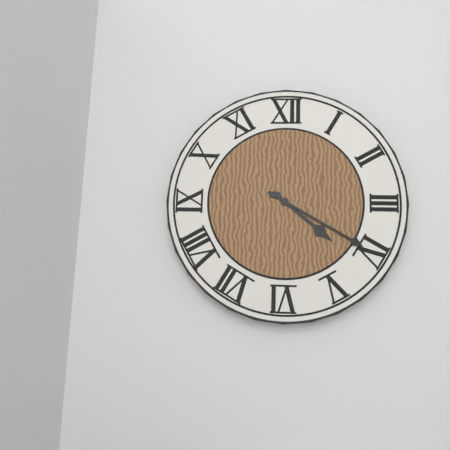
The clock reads 4,20
